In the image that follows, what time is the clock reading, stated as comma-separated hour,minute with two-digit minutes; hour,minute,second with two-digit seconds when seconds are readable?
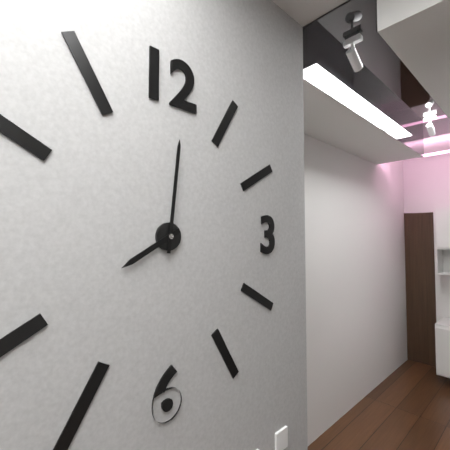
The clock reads 8,01
